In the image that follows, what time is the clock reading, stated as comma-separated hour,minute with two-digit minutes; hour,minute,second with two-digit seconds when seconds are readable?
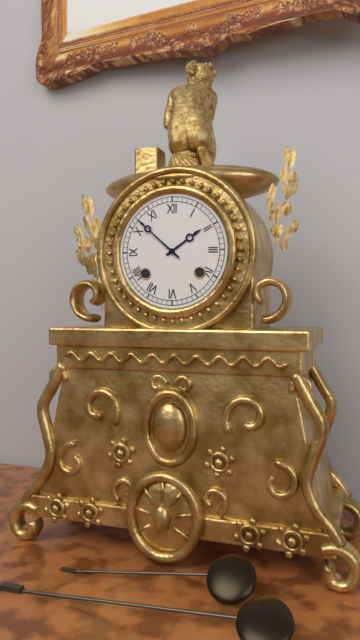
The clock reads 1,52
